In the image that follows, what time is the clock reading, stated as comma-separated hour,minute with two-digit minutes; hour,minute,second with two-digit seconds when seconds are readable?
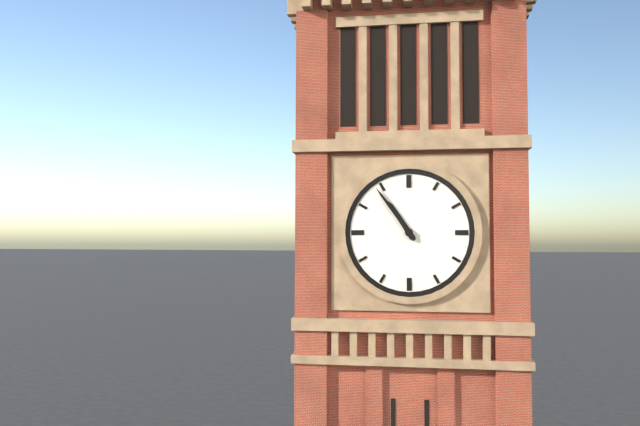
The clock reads 10,54
